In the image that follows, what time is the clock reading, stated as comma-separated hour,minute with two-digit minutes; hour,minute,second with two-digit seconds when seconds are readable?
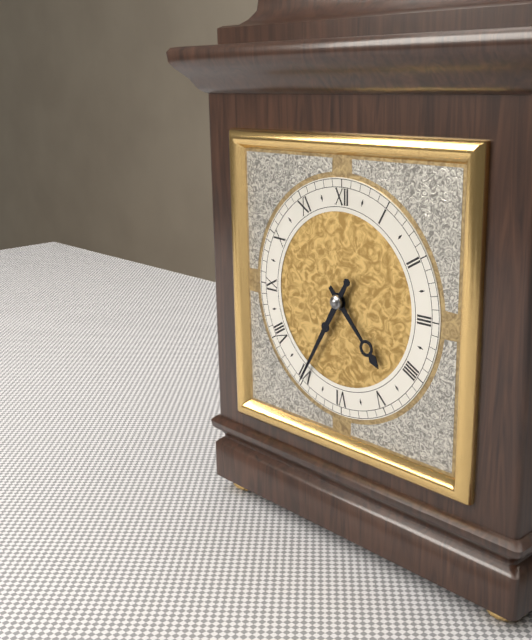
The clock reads 4,35
